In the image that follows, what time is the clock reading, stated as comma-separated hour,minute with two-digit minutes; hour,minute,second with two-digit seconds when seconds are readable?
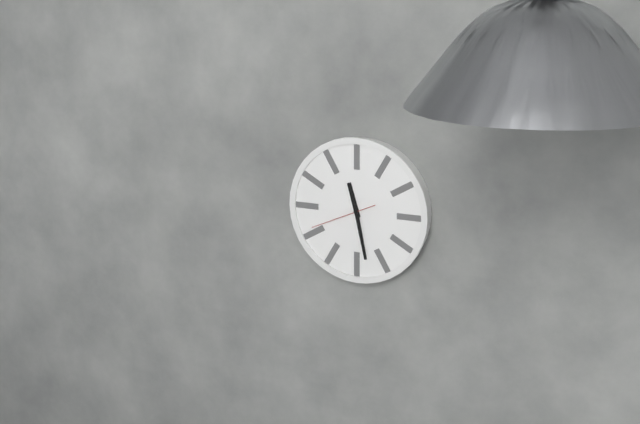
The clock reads 11,28,41
